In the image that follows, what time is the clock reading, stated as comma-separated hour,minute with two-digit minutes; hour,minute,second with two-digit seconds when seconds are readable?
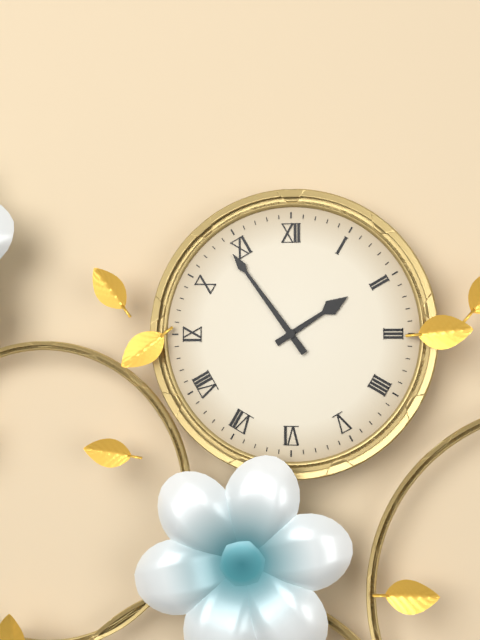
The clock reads 1,54
